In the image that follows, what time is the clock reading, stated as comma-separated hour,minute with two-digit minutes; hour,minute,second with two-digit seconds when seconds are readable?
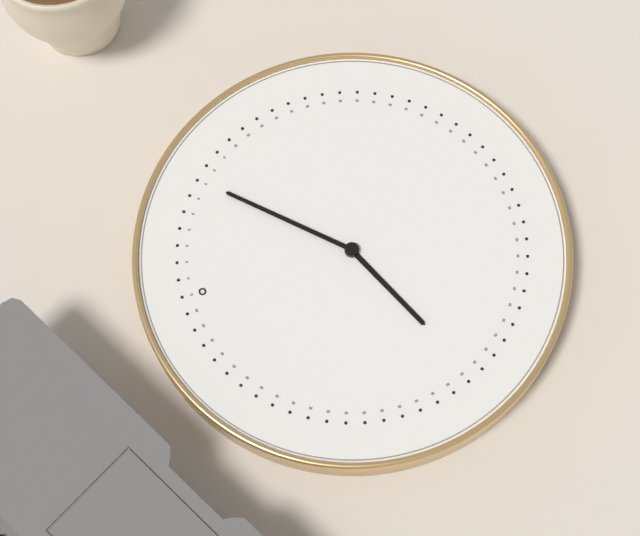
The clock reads 8,07
